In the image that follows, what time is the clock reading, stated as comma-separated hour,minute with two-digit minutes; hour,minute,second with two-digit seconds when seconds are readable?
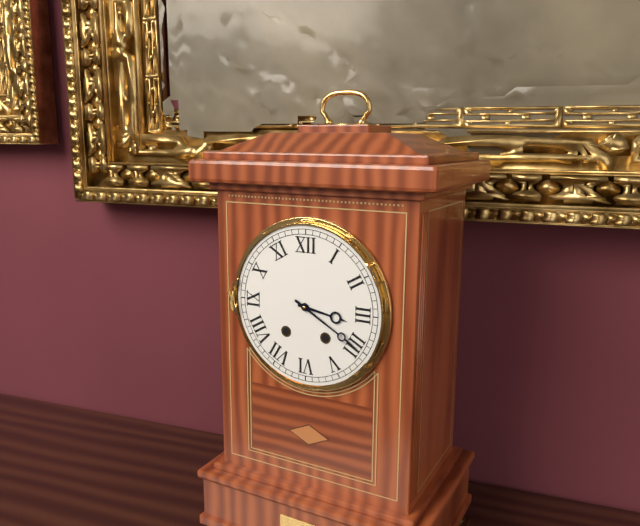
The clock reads 3,20
